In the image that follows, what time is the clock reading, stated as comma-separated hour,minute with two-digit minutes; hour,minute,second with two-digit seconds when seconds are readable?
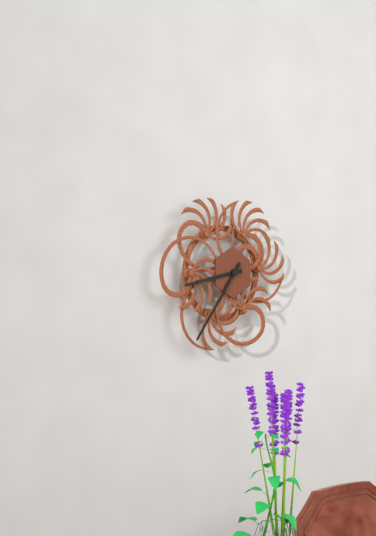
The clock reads 8,36
